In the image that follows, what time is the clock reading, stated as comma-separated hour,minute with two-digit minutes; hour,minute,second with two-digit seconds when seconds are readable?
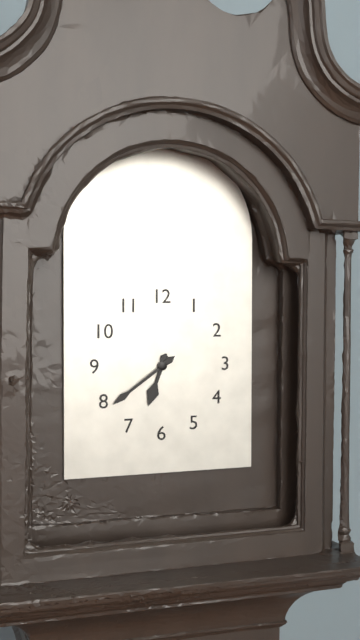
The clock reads 6,39
